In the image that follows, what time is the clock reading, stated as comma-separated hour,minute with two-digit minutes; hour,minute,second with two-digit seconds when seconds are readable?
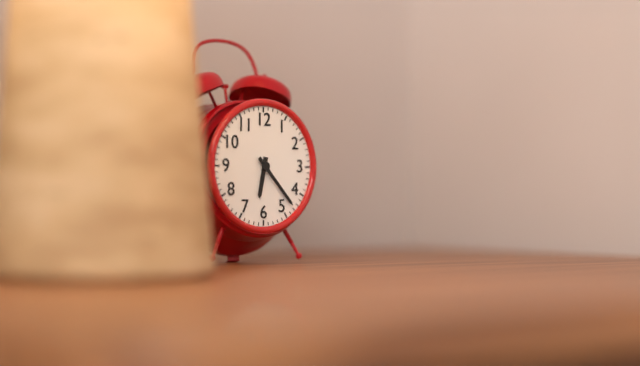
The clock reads 6,23
